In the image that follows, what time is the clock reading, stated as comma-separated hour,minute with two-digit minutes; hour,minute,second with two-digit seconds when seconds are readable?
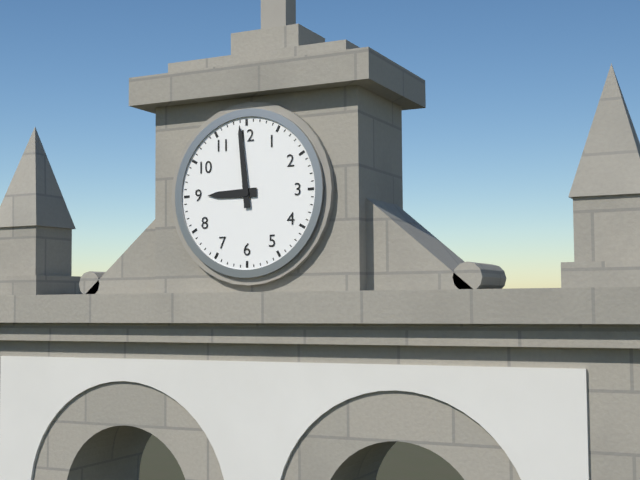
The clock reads 8,59
